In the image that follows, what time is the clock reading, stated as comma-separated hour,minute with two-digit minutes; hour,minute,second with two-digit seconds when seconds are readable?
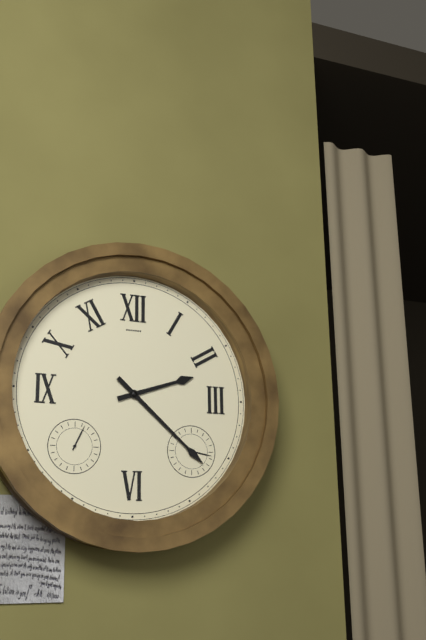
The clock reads 2,22
